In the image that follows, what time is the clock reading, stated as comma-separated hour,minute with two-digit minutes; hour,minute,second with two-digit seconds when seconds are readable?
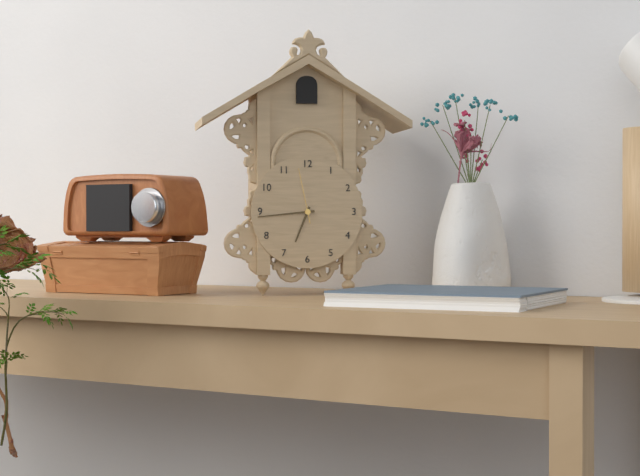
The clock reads 6,44,58
